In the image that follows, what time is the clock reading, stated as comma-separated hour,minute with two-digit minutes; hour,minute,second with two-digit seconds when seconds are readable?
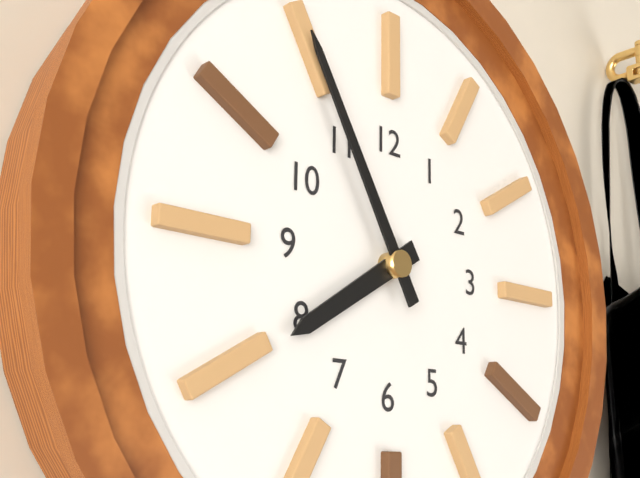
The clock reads 7,55
